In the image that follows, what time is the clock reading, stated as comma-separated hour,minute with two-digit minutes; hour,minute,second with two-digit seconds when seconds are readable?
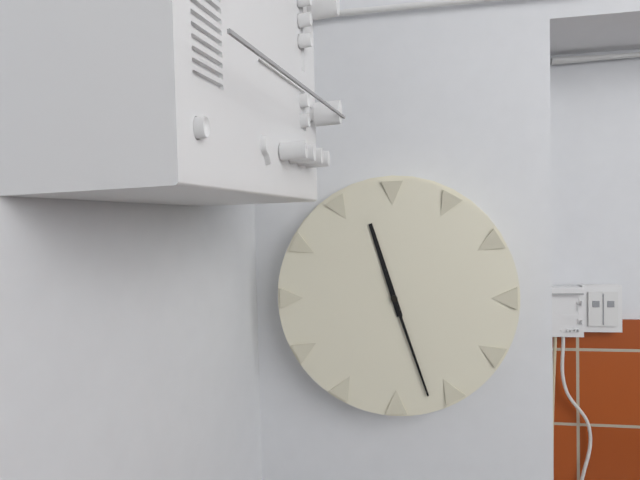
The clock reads 11,27
